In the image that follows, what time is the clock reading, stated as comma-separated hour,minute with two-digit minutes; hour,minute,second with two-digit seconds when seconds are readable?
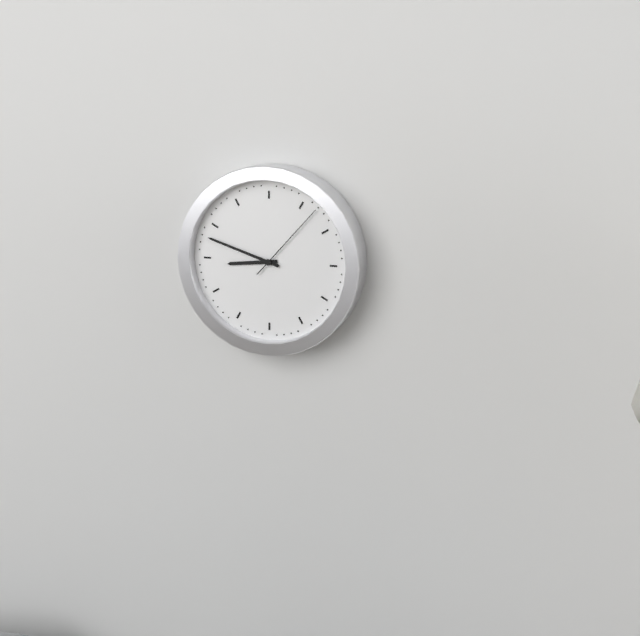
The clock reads 8,48,07
